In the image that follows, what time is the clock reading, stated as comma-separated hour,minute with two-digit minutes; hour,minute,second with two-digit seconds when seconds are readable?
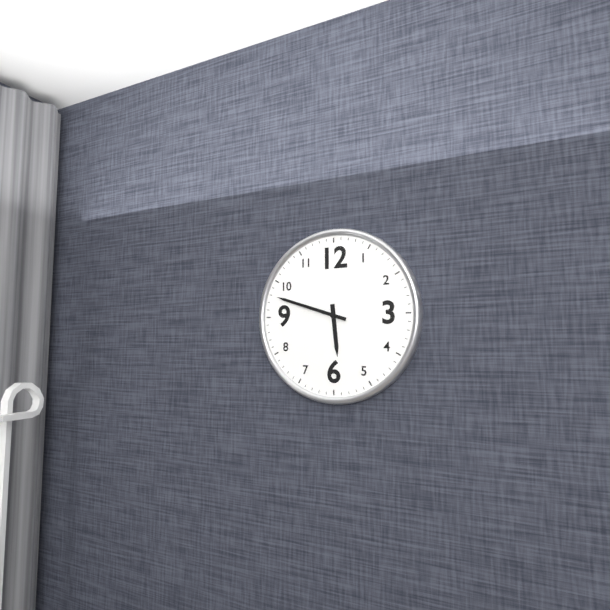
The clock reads 5,48
